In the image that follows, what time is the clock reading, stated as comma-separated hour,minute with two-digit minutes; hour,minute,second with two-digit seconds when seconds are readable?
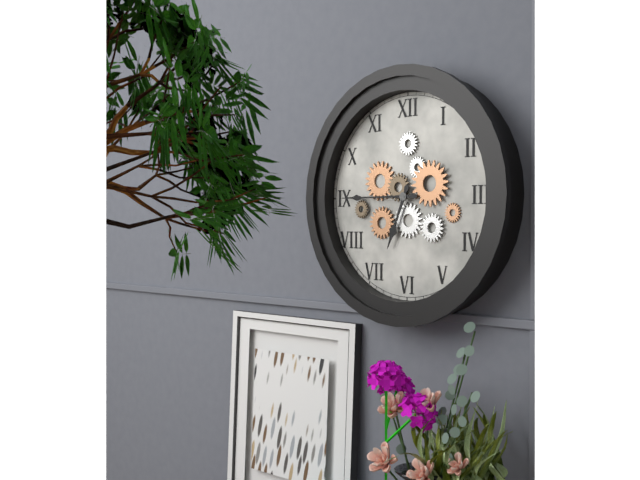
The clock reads 6,45
